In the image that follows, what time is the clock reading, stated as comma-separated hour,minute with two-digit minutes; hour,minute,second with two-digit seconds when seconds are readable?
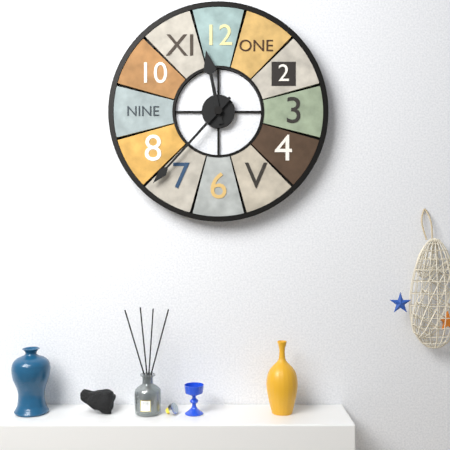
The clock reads 11,37
